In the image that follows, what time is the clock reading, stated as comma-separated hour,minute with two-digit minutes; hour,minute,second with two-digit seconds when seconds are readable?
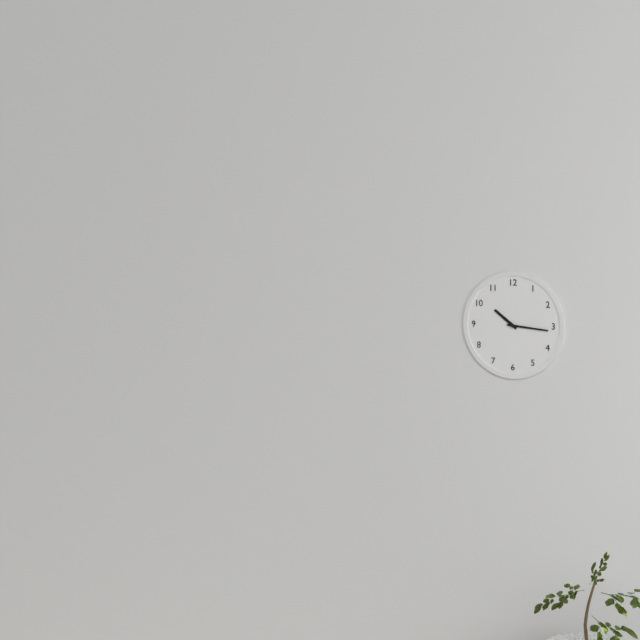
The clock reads 10,16
